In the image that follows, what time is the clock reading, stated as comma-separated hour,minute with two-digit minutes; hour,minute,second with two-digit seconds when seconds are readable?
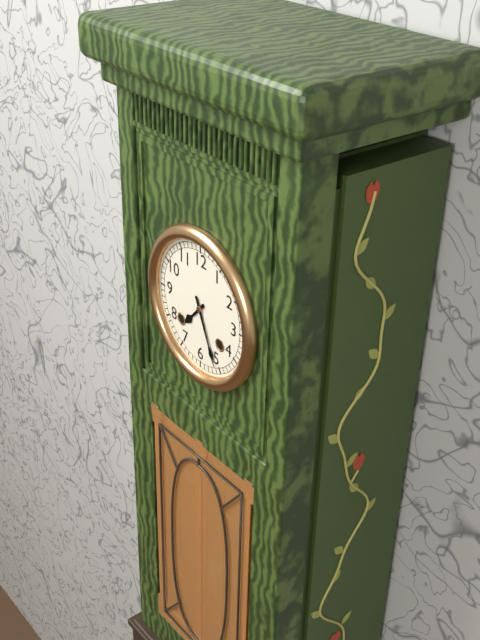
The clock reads 7,26
